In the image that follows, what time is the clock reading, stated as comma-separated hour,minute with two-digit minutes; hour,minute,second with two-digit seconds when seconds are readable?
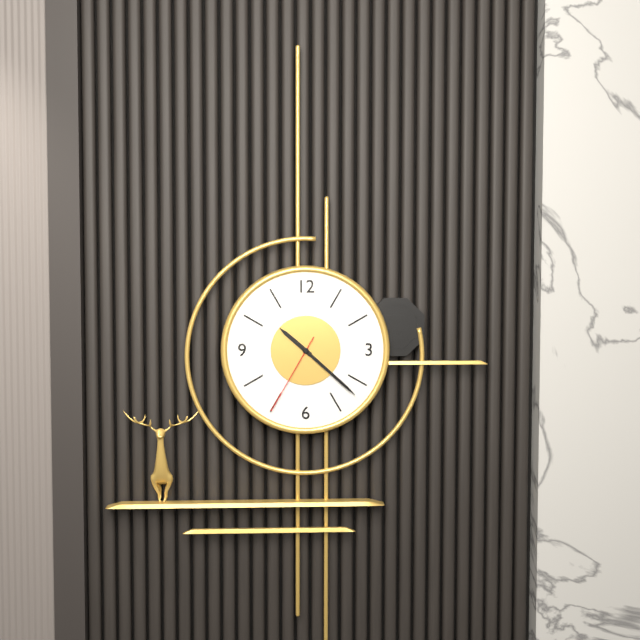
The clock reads 10,22,35
